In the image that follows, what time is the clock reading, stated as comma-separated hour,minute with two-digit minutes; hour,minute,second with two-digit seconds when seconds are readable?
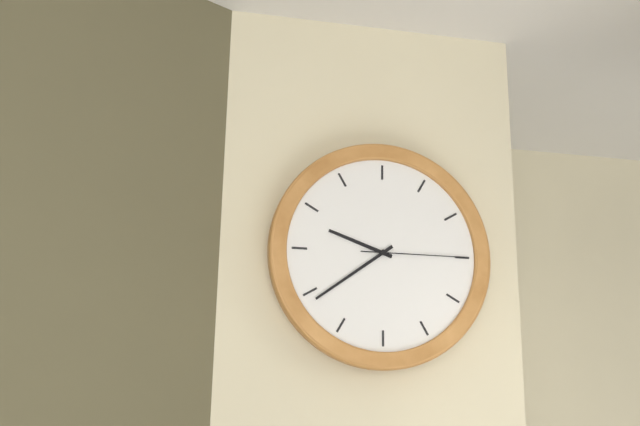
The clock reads 9,39,15
